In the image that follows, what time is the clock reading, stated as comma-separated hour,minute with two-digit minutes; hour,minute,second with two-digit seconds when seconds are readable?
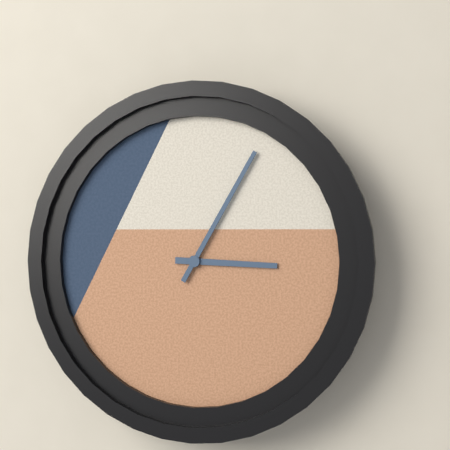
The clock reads 3,05
